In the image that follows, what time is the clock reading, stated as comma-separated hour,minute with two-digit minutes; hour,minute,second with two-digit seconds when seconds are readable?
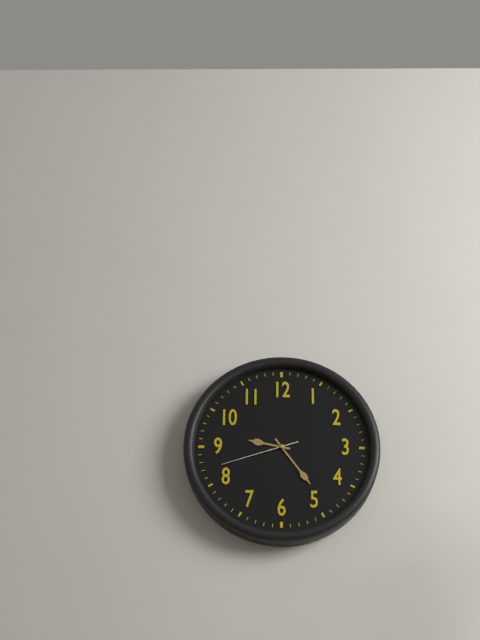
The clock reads 9,24,42
